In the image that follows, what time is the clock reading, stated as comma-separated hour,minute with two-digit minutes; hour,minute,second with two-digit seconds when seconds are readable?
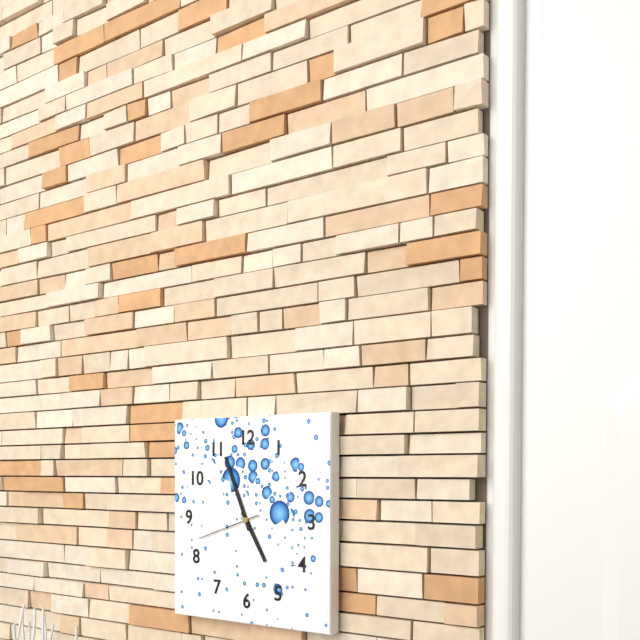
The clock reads 4,56,42
